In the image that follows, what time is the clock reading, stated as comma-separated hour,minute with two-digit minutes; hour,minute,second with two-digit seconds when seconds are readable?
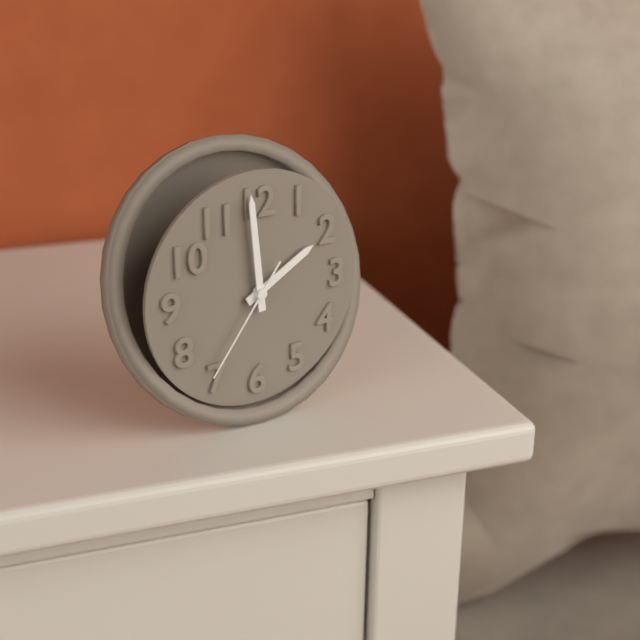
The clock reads 1,59,36
